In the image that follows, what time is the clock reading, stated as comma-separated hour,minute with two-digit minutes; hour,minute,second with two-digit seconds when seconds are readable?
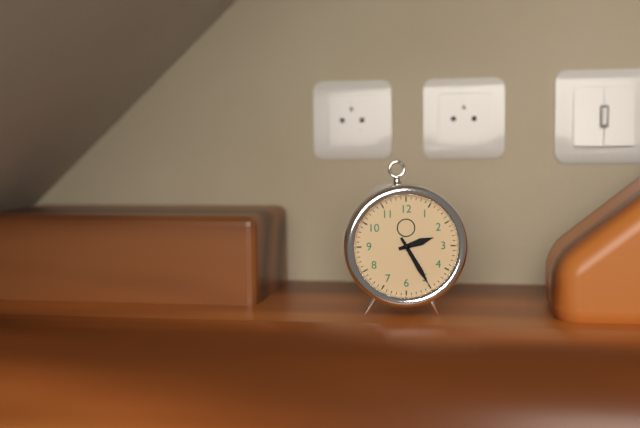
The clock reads 2,25
